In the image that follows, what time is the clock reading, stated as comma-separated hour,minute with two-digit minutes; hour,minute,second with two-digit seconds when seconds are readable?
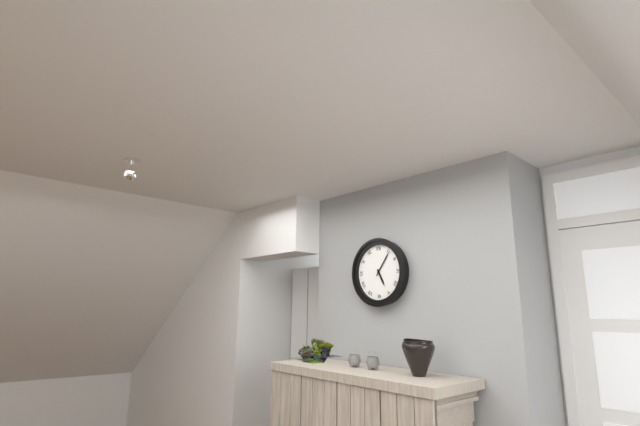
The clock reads 5,06
